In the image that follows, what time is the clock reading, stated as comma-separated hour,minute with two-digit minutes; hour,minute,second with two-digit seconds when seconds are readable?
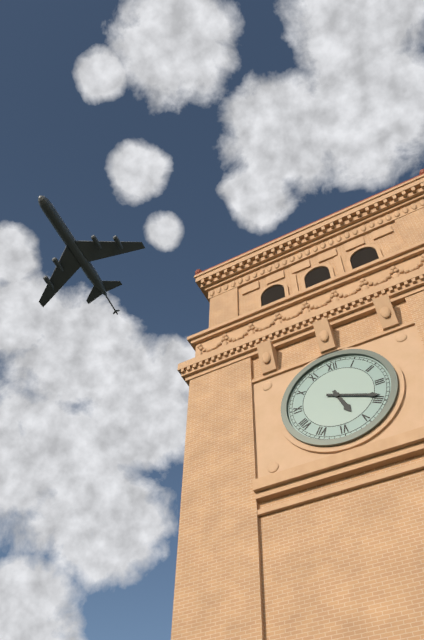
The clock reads 5,19
